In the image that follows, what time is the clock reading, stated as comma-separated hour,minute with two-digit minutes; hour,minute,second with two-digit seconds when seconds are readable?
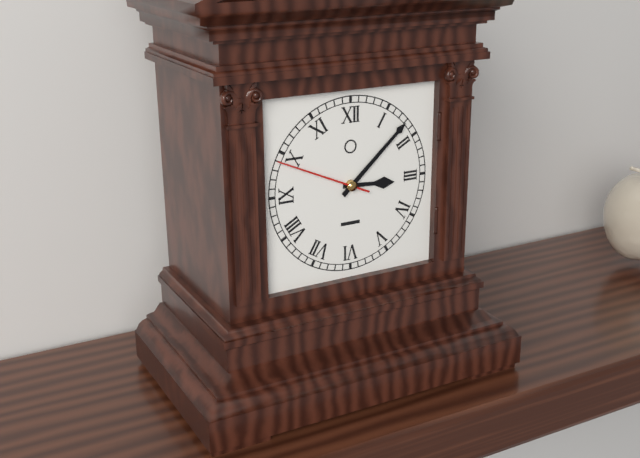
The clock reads 3,08,49
